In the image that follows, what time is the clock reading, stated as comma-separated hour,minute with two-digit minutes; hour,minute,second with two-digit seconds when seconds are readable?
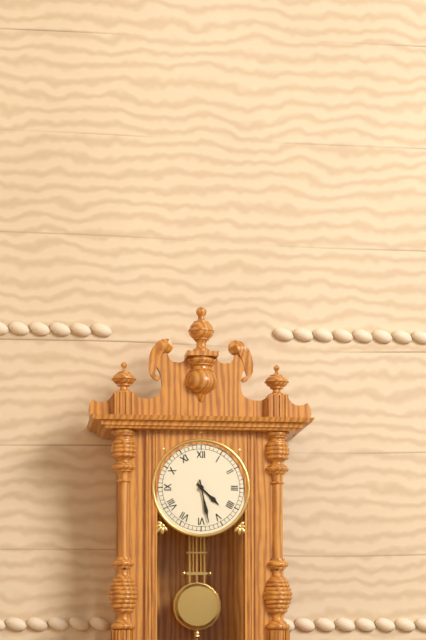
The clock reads 4,28
